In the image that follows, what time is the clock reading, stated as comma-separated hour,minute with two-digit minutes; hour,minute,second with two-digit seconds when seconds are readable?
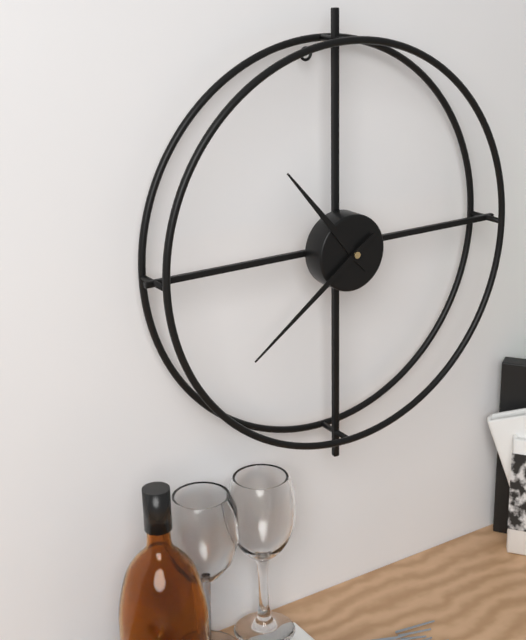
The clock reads 10,39
